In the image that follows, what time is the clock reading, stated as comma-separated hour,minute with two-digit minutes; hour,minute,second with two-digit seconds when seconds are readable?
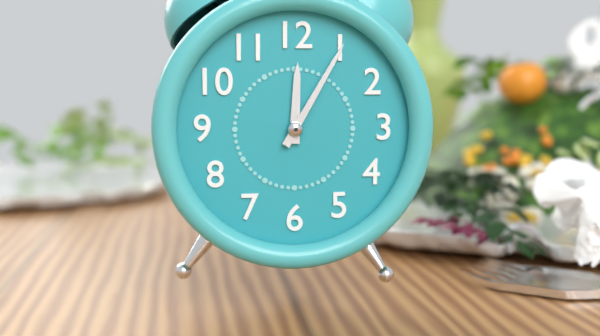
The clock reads 12,05
